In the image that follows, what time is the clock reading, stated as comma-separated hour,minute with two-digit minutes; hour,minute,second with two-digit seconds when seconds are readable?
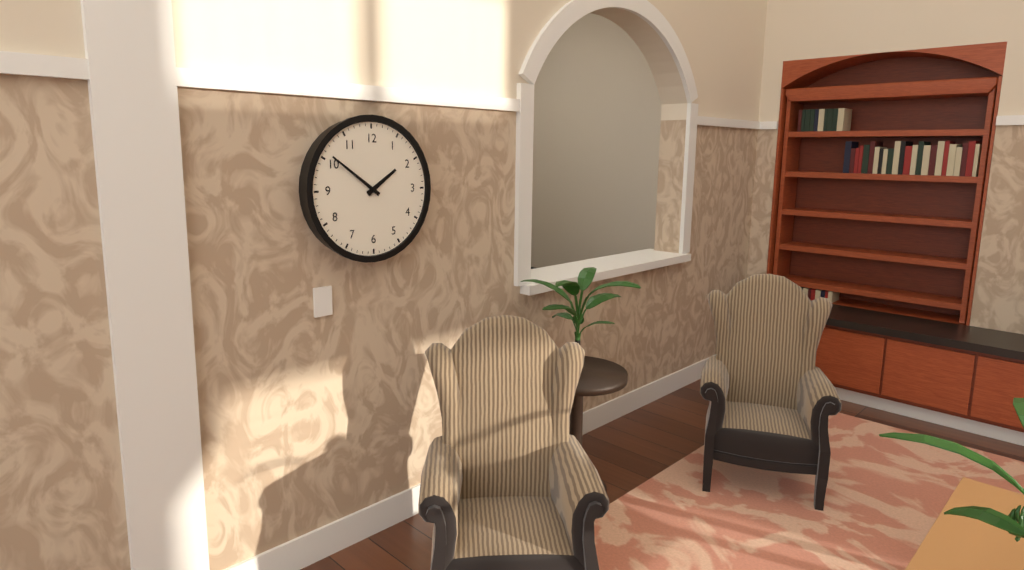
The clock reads 1,51
